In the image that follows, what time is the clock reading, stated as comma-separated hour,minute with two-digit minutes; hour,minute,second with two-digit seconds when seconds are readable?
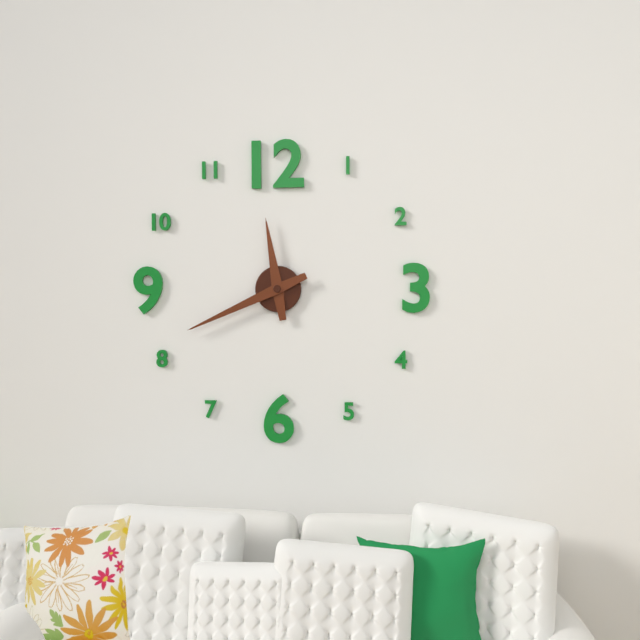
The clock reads 11,41
